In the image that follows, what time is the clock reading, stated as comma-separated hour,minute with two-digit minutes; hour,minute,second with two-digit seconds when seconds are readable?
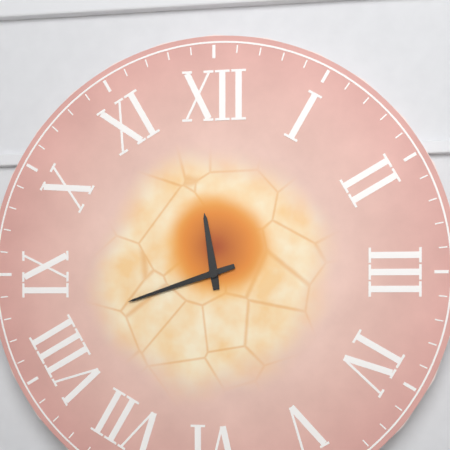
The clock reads 11,42
